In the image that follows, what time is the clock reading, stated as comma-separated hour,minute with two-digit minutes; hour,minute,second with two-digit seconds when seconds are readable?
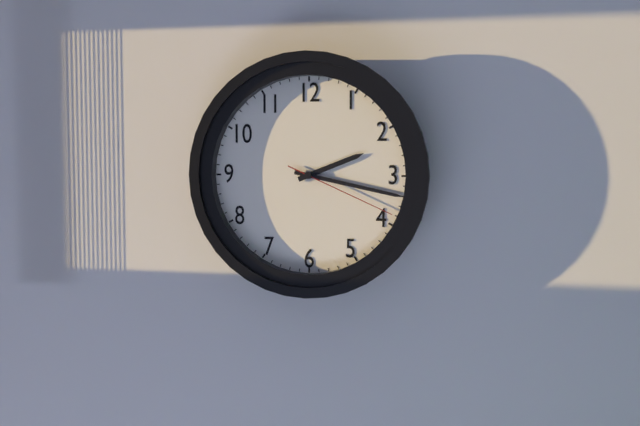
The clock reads 2,17,19
